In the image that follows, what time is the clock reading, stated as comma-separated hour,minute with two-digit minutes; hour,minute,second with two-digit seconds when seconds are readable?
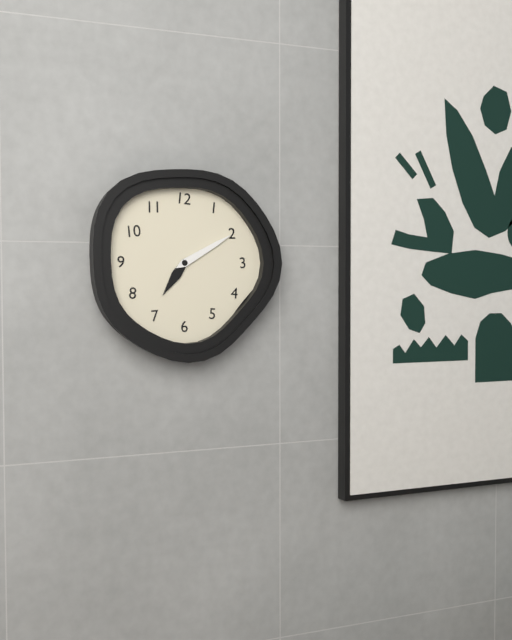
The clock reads 7,10
